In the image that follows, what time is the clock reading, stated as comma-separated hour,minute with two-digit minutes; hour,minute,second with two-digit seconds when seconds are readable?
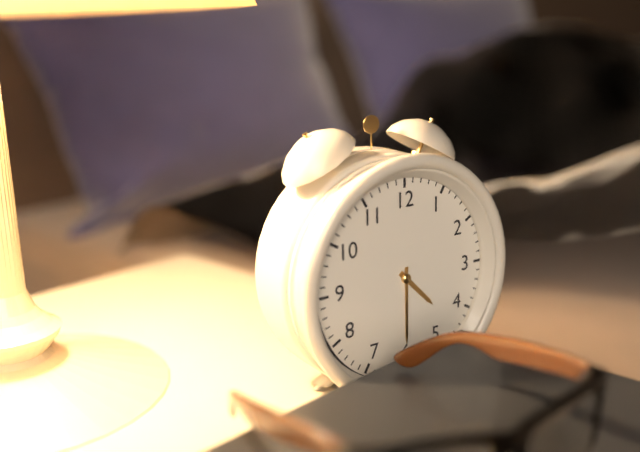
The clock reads 4,30
